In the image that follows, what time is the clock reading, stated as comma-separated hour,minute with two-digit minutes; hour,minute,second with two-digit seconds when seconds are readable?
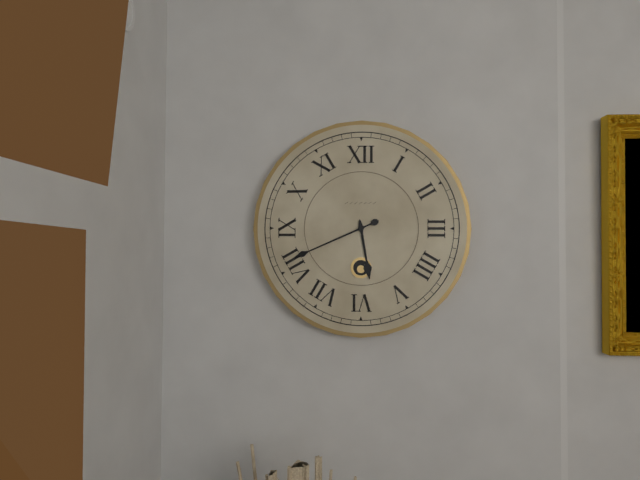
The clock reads 5,41
